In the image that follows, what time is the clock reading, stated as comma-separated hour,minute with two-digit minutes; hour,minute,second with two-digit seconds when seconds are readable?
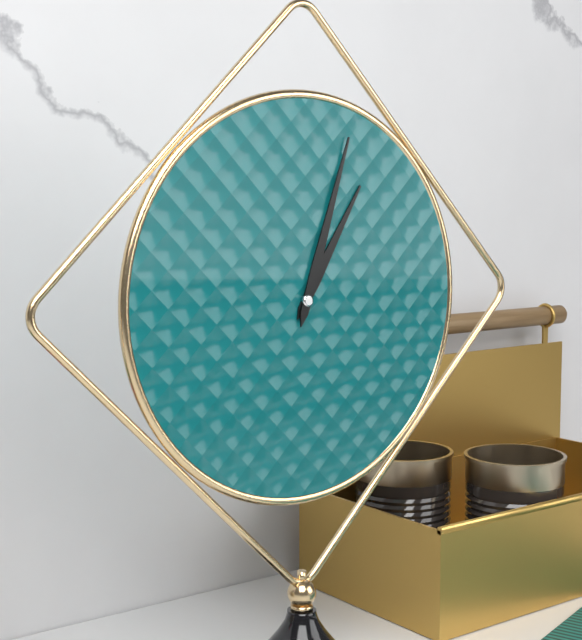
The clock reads 1,03
